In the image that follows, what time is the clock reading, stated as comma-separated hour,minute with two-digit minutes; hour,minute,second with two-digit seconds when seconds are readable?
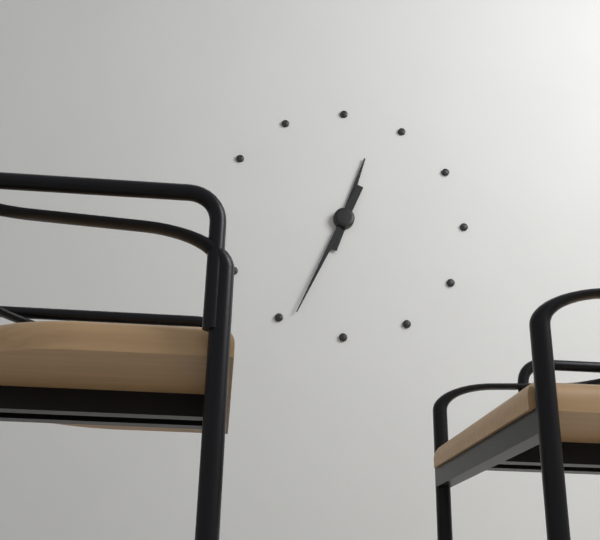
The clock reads 12,34
